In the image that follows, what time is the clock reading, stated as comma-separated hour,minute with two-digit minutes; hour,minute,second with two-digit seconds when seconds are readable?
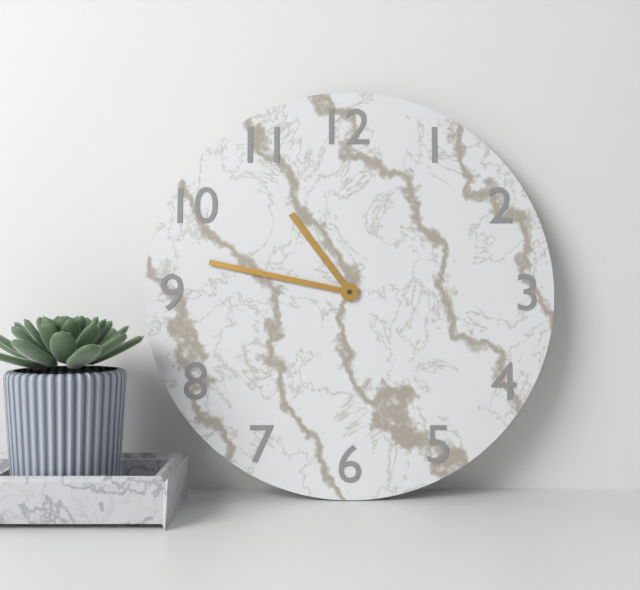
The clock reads 10,47
